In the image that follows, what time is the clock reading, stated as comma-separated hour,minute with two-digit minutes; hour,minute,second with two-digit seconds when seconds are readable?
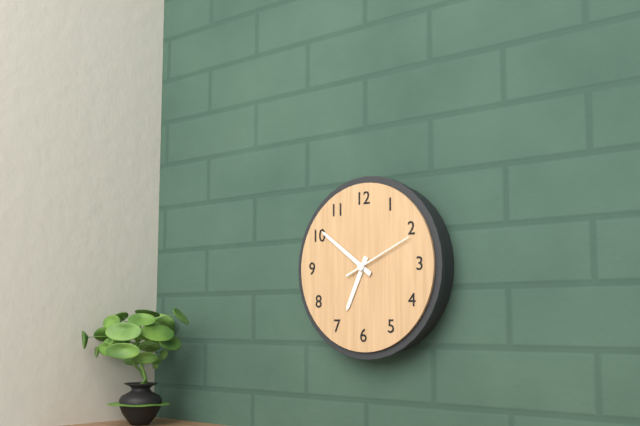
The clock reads 6,51,11
